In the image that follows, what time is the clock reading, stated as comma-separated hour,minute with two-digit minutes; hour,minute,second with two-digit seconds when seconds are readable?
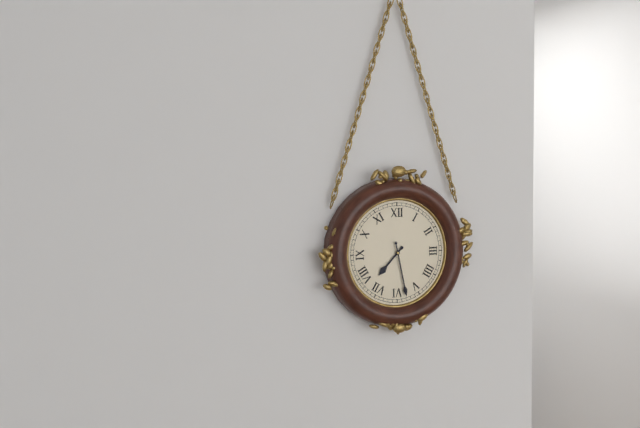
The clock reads 7,28
